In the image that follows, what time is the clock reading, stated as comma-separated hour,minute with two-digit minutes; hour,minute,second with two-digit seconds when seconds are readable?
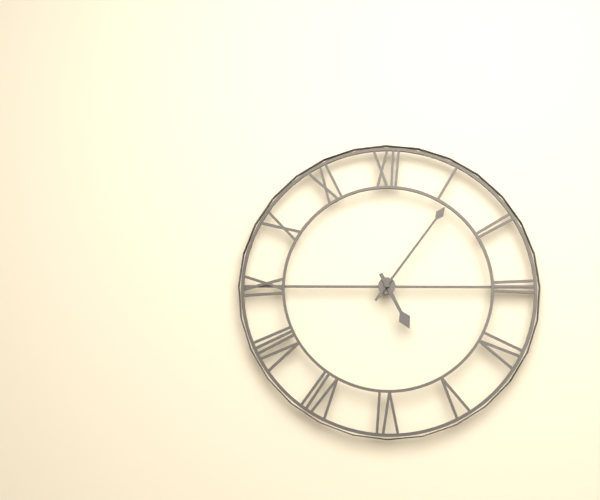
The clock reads 5,06
